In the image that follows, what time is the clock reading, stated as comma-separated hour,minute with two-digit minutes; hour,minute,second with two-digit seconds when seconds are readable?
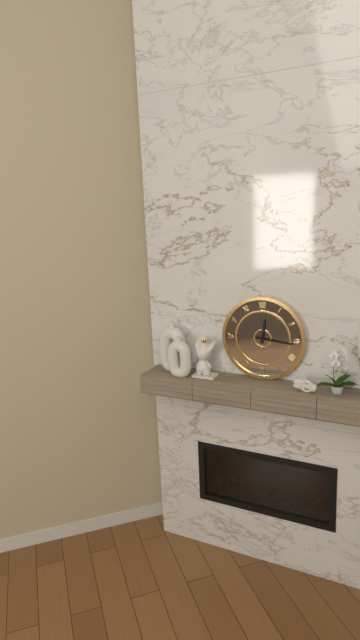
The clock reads 12,16
